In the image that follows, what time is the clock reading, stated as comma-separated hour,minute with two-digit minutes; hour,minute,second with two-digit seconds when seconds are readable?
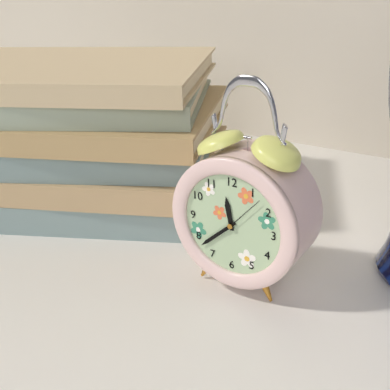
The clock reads 11,38
